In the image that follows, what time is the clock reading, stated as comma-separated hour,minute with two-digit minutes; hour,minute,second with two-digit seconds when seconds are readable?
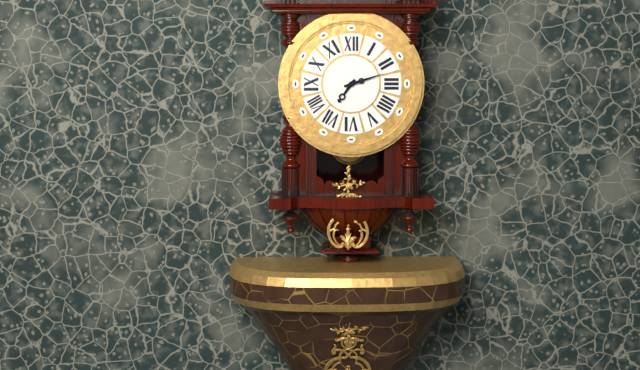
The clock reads 7,12
